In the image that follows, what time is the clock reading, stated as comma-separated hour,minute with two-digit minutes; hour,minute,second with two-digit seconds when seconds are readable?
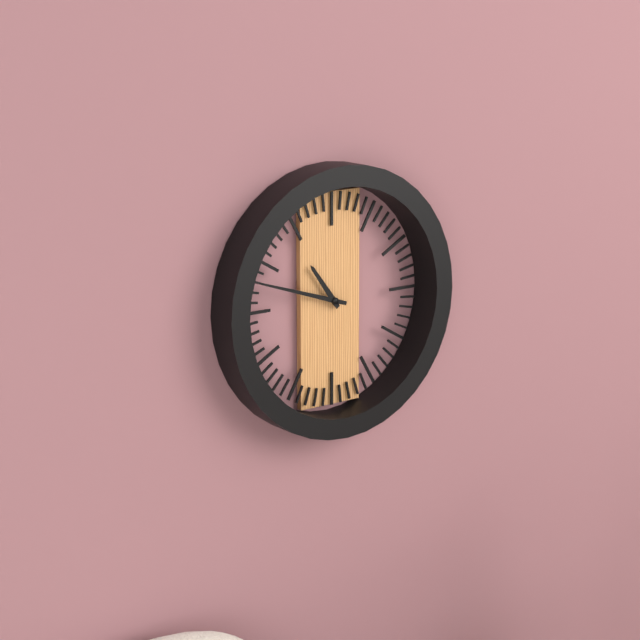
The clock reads 10,48
